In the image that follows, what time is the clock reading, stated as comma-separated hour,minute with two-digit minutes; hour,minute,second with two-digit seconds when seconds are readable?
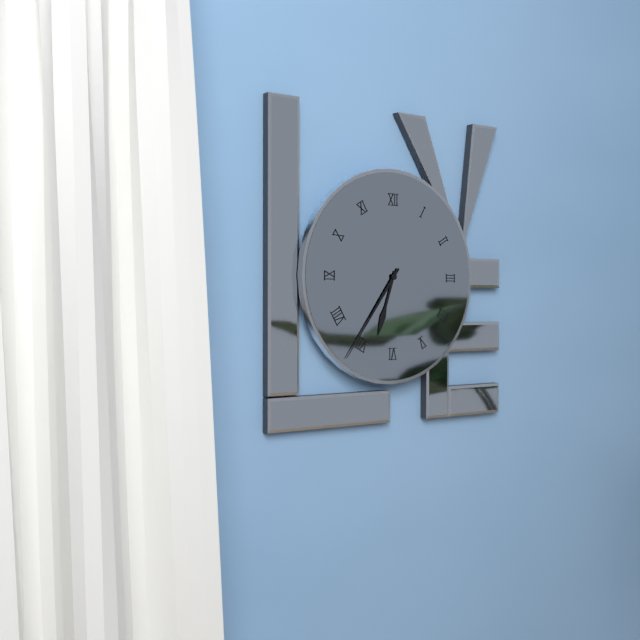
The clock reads 6,36
